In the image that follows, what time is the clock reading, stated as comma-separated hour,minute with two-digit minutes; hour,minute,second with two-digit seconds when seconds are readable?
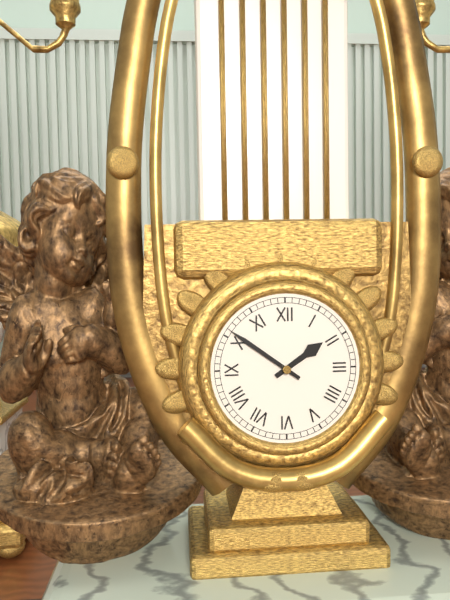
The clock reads 1,51
